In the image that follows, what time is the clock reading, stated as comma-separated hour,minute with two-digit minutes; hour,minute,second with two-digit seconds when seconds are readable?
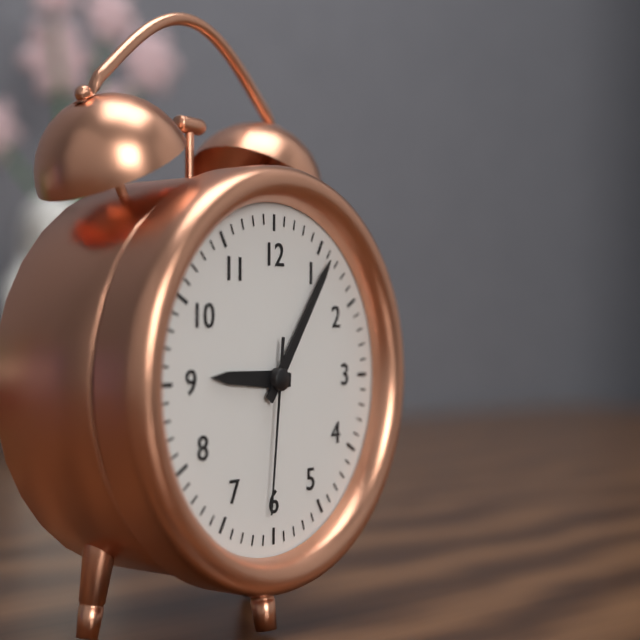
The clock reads 9,06,31
